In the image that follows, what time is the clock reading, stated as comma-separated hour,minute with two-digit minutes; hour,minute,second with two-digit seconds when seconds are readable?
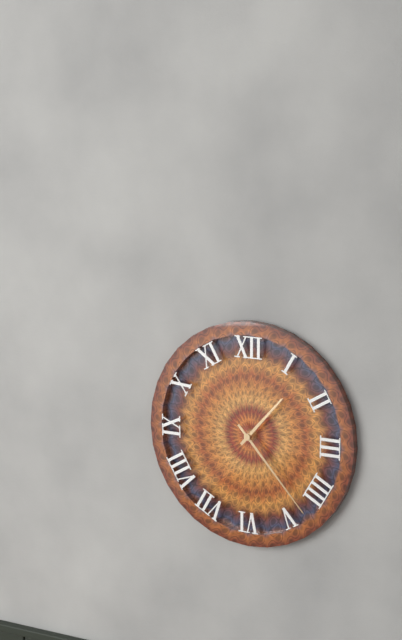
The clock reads 1,23
